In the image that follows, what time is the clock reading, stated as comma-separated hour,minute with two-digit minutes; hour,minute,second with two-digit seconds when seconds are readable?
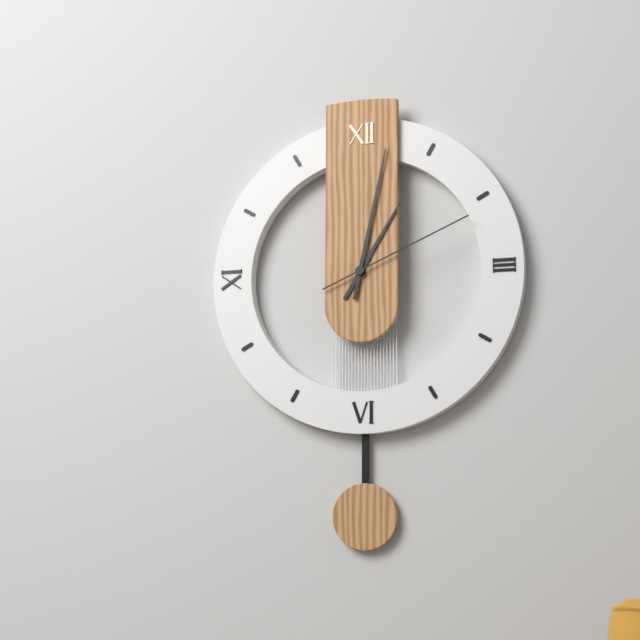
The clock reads 1,02,11
